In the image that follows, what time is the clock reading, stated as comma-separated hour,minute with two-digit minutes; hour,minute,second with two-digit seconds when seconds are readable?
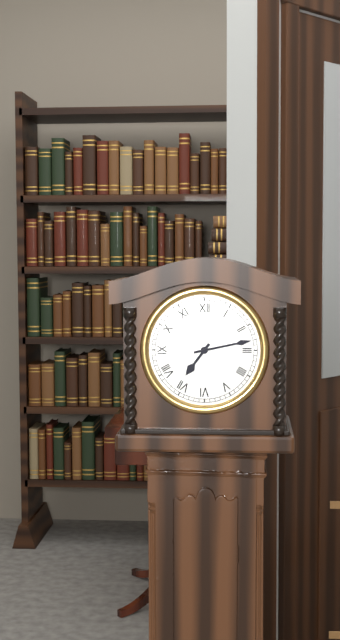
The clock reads 7,13
